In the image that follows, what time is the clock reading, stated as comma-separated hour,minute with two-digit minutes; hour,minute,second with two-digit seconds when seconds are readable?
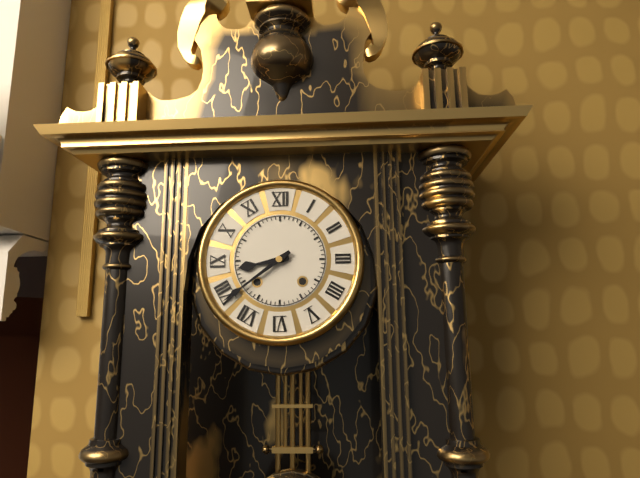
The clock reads 8,39
